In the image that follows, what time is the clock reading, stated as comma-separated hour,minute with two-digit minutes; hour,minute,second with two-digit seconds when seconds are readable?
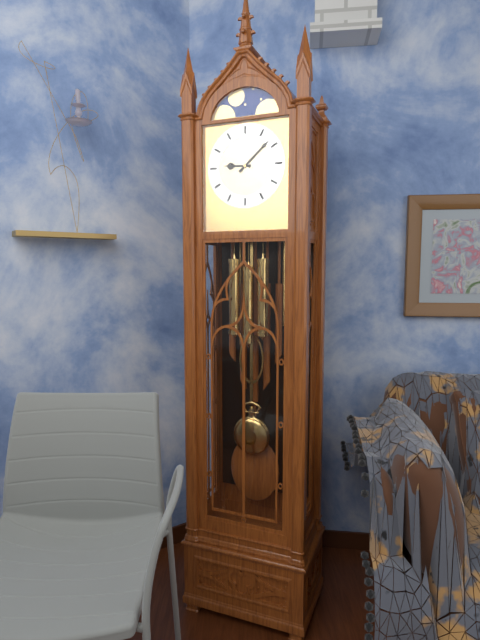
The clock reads 9,08
